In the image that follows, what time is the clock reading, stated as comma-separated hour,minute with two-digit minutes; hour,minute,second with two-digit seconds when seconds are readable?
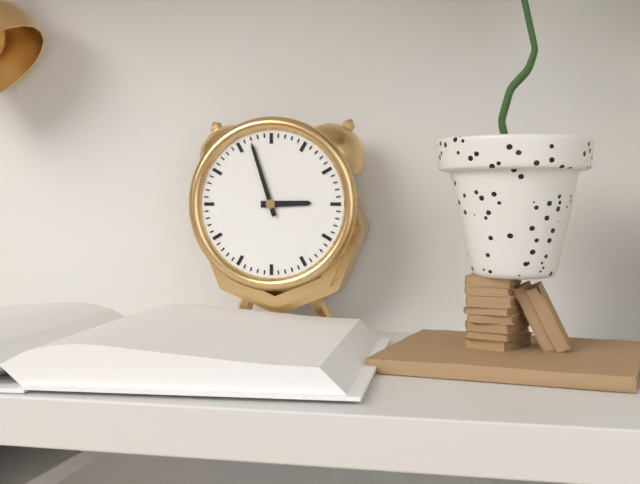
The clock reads 2,57
